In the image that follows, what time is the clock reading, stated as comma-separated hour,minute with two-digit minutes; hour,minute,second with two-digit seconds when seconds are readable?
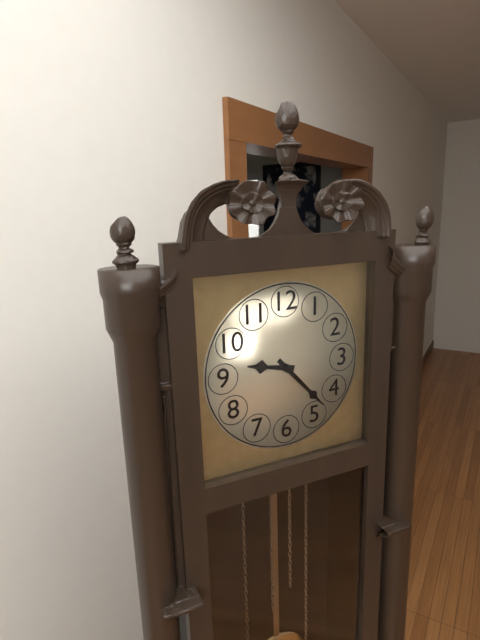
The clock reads 9,23
